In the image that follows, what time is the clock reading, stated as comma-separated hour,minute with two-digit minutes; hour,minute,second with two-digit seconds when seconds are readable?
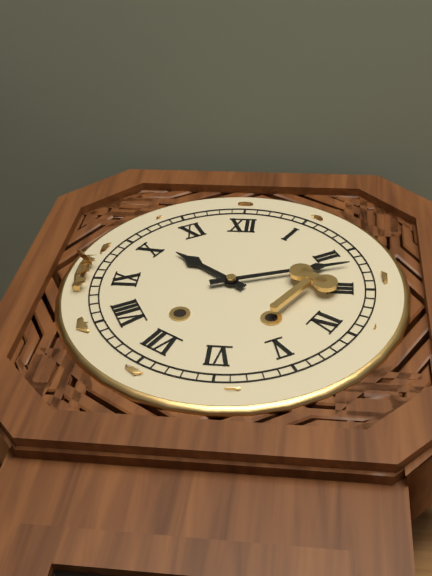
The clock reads 10,12
